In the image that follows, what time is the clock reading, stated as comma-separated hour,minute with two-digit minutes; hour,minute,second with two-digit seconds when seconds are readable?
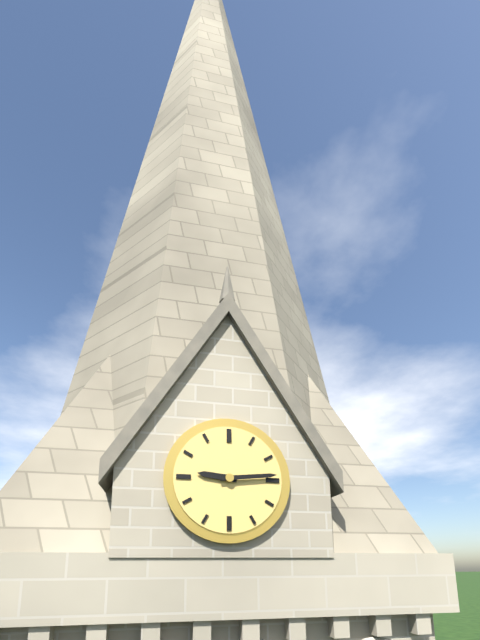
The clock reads 9,14
